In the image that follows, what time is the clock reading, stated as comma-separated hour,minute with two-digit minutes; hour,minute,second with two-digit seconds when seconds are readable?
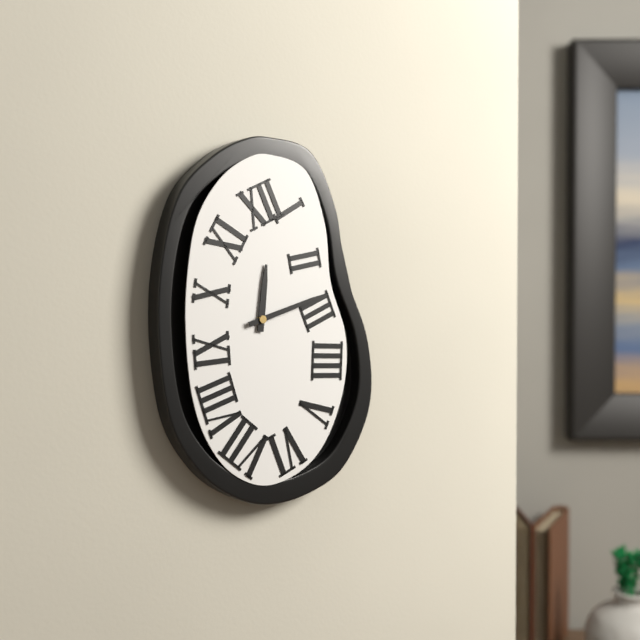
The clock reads 12,12
